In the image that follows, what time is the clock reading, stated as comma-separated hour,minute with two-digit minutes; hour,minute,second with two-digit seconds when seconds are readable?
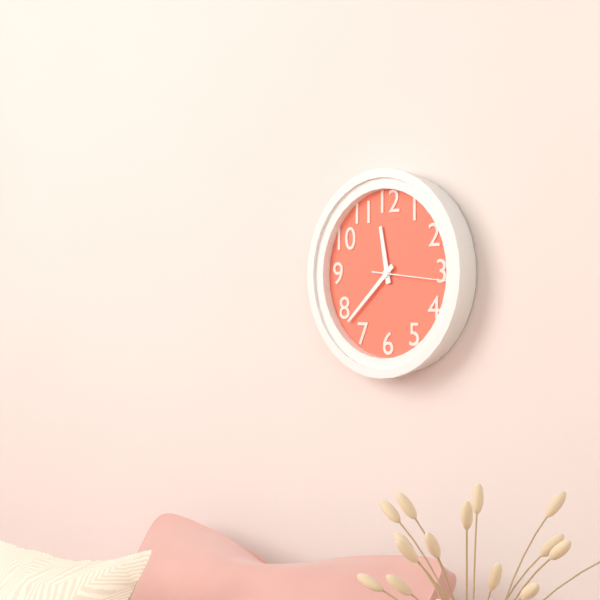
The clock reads 11,38,16
